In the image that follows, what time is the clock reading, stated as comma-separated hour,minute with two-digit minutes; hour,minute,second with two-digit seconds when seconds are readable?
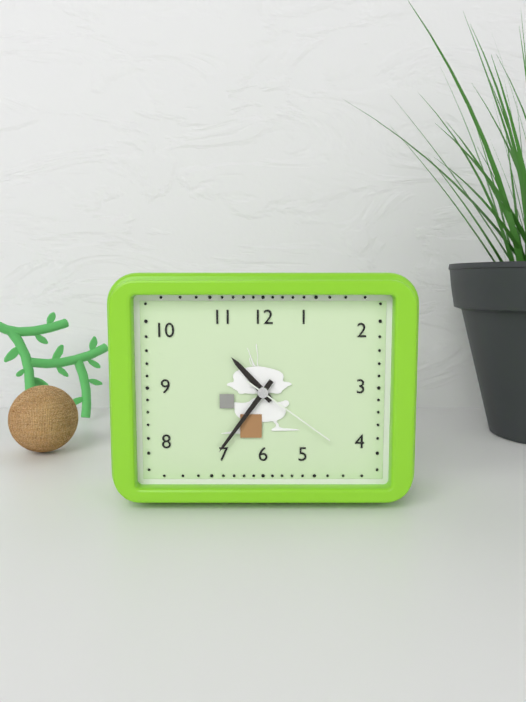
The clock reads 10,36,21
